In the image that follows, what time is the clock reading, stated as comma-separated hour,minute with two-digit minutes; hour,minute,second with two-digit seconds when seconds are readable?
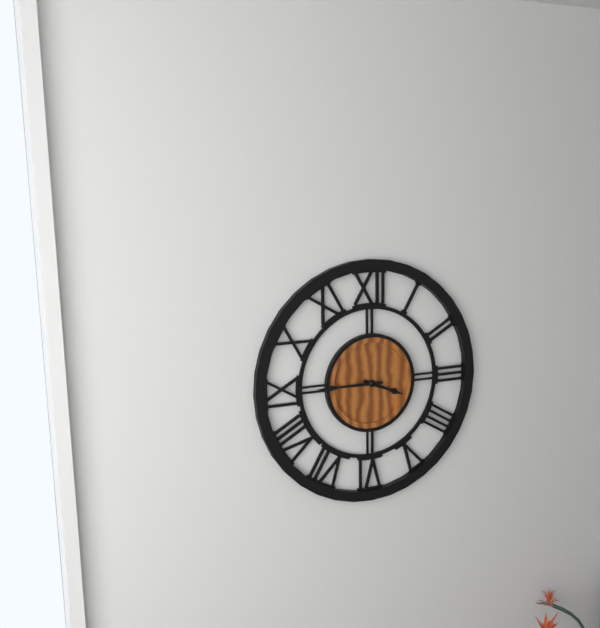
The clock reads 3,45
